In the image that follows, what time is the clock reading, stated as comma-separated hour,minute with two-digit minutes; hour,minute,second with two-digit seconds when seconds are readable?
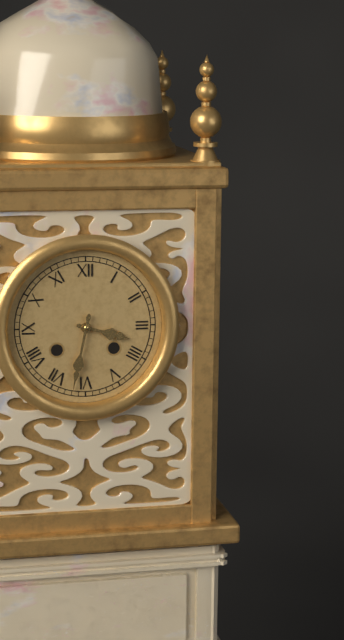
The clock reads 3,32
